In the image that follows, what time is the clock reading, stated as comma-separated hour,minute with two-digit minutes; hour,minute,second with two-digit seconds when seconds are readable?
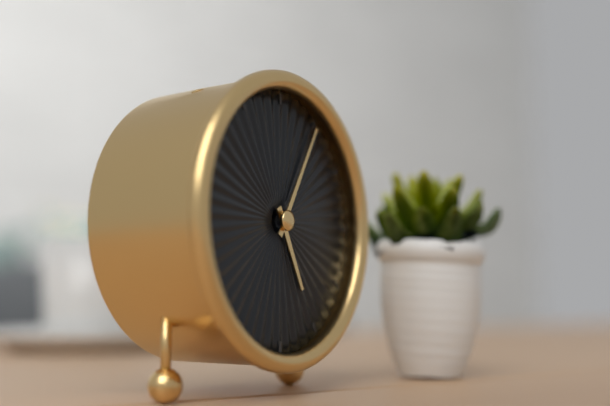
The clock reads 5,05
